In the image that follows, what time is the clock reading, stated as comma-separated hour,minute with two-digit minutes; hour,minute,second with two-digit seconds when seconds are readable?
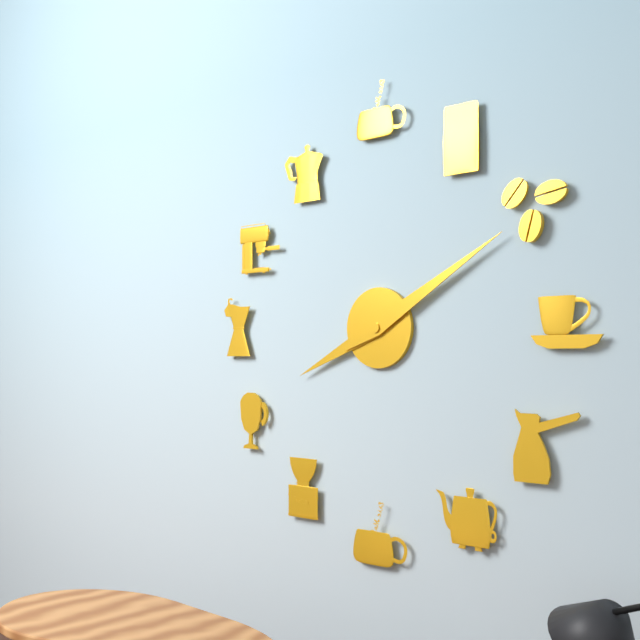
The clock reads 8,10
